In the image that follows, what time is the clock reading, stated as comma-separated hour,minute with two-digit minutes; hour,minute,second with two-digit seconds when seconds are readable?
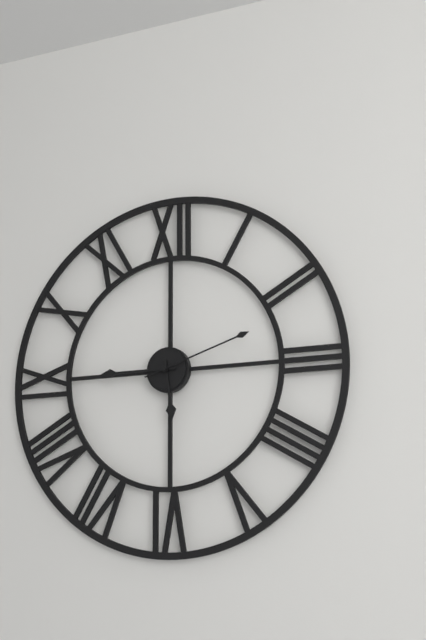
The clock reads 5,45,12
